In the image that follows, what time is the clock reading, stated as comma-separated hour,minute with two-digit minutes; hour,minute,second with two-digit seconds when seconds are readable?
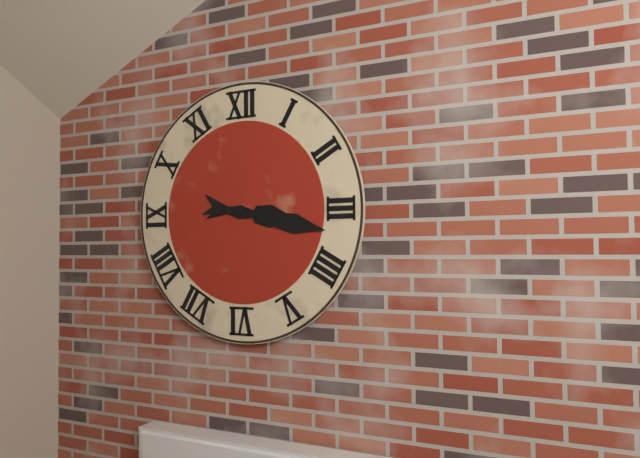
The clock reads 3,17
